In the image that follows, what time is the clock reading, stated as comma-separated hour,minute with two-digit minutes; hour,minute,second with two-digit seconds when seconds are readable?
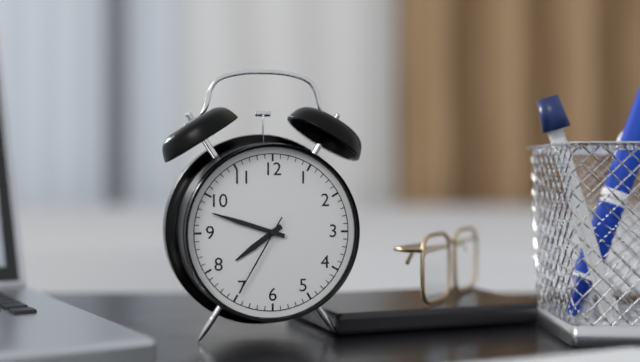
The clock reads 7,48,35
